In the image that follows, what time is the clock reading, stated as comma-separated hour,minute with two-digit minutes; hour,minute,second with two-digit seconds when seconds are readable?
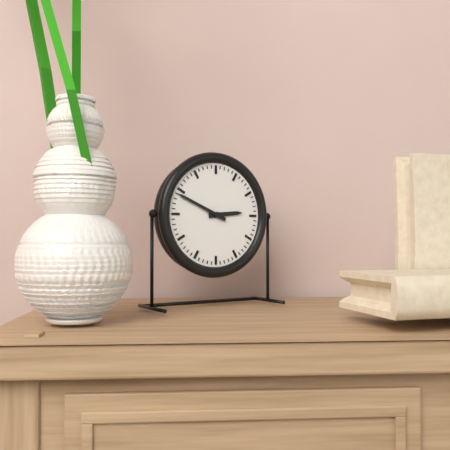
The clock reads 2,49
